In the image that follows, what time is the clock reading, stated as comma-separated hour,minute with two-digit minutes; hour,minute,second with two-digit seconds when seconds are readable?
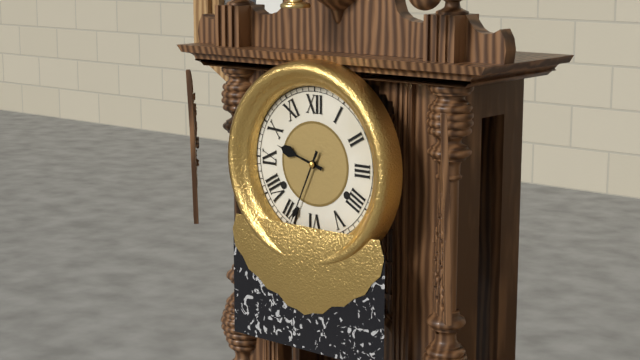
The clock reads 9,34
